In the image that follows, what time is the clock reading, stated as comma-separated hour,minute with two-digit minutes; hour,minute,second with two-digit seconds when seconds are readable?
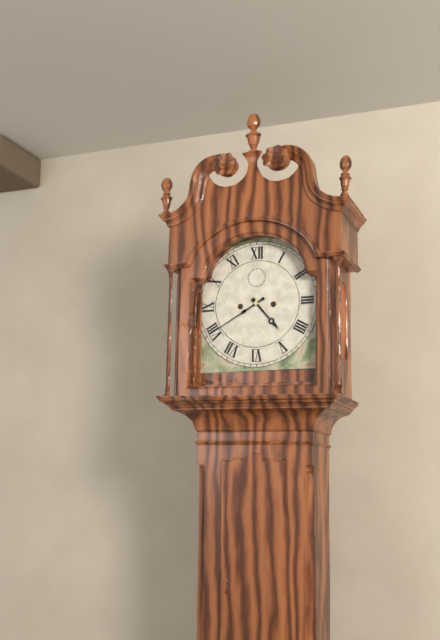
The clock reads 4,40
